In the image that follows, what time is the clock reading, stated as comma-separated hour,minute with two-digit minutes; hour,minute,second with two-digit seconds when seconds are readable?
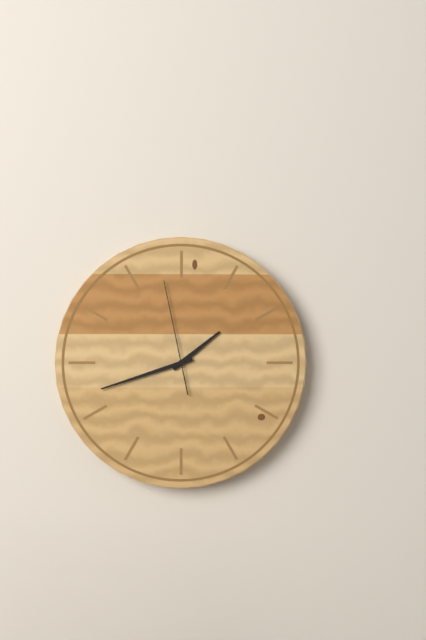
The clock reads 1,42,58
